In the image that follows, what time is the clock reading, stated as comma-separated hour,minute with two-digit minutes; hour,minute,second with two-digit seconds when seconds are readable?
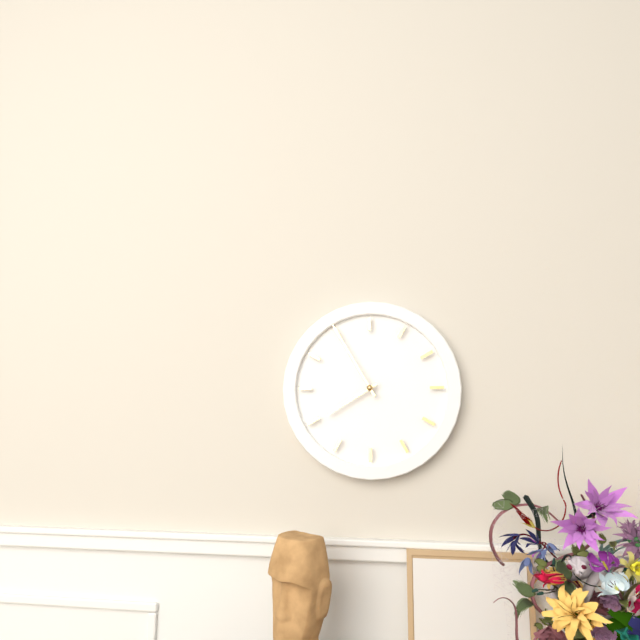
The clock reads 7,55
